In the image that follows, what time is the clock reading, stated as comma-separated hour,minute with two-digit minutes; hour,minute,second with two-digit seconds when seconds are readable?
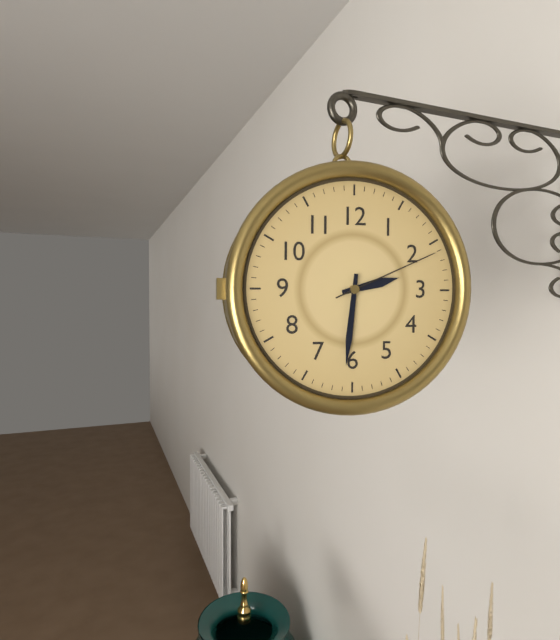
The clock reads 2,31,11
